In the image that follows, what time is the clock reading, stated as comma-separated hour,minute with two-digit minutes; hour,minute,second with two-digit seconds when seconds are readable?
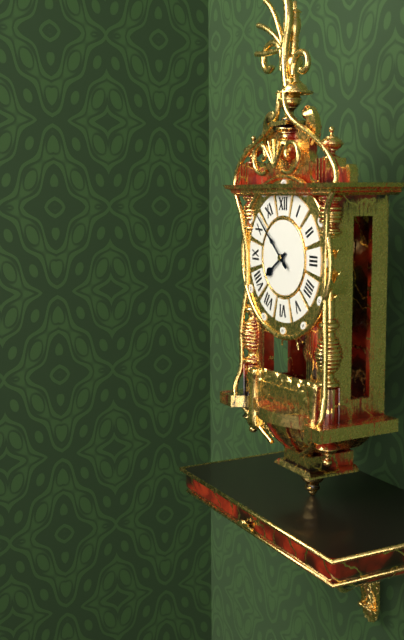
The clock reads 7,52
